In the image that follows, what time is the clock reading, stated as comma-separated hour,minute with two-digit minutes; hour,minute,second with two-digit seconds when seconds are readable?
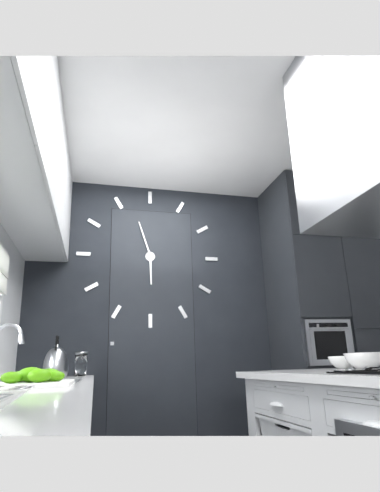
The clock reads 5,57
